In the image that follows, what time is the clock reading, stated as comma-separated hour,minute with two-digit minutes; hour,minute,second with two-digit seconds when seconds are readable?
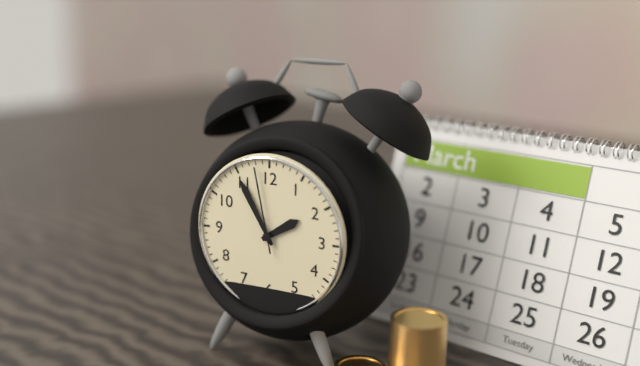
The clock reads 1,55,58
